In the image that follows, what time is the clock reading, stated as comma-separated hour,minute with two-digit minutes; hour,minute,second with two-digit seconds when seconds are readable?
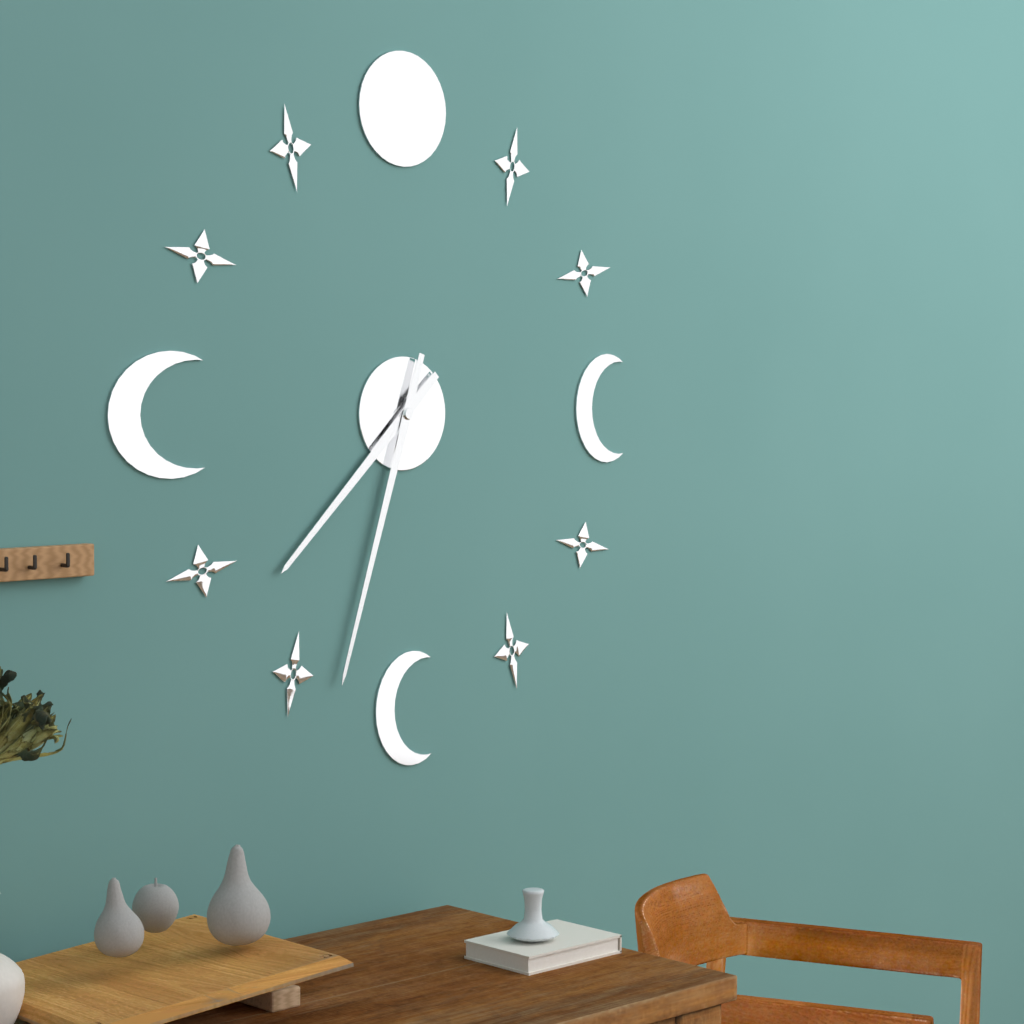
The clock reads 7,33
